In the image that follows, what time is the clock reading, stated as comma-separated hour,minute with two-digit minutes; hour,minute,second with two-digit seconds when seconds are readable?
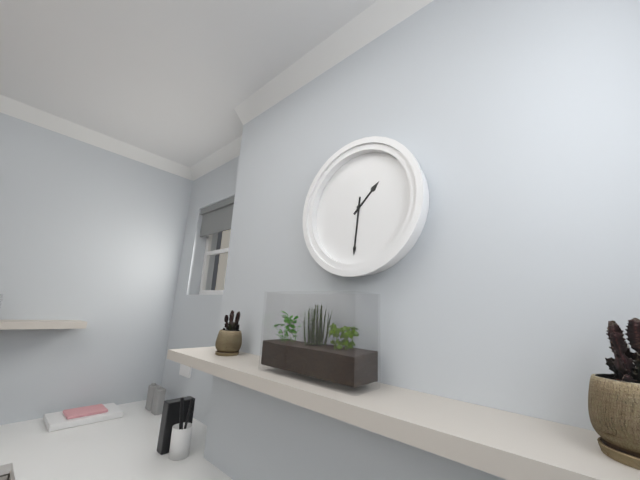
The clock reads 1,31
